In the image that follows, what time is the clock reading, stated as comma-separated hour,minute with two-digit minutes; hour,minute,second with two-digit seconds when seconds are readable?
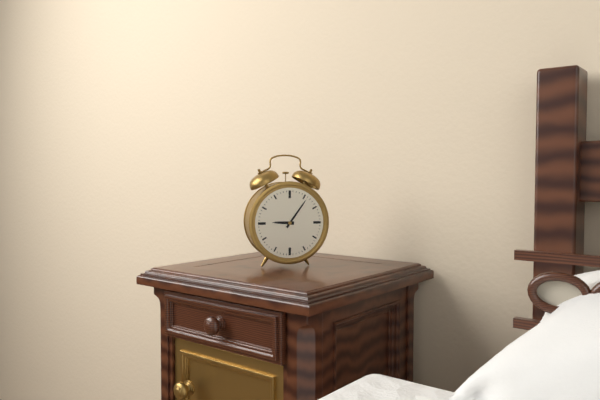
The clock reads 9,06
